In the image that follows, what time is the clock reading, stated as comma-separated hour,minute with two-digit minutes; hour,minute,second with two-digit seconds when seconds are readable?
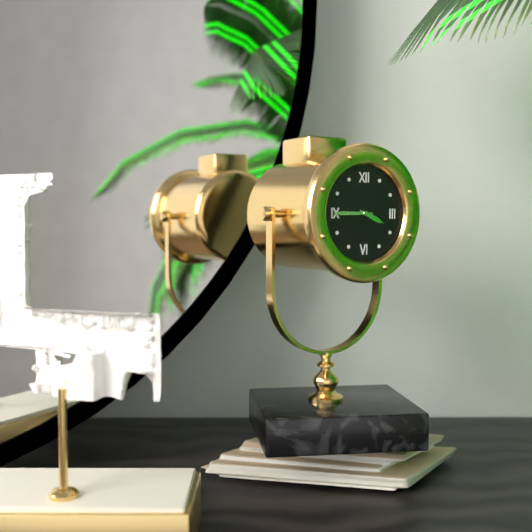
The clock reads 3,45
